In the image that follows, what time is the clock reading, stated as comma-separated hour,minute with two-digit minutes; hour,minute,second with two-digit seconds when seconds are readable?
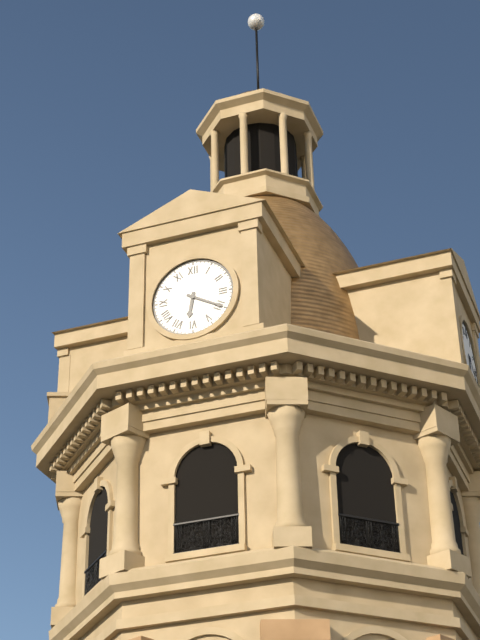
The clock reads 6,20
